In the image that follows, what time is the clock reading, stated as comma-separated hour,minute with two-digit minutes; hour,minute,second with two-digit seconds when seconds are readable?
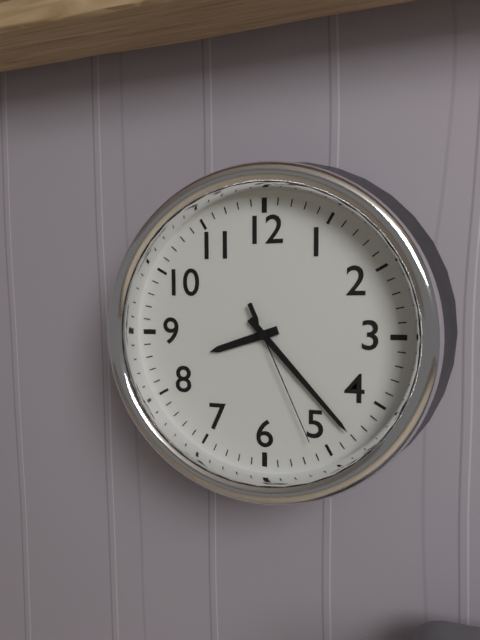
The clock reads 8,23,26
